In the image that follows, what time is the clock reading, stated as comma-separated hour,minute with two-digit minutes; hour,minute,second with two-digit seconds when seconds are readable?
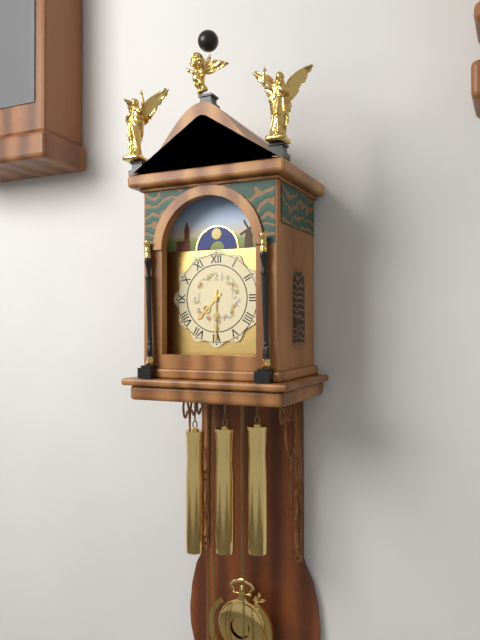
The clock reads 7,30
